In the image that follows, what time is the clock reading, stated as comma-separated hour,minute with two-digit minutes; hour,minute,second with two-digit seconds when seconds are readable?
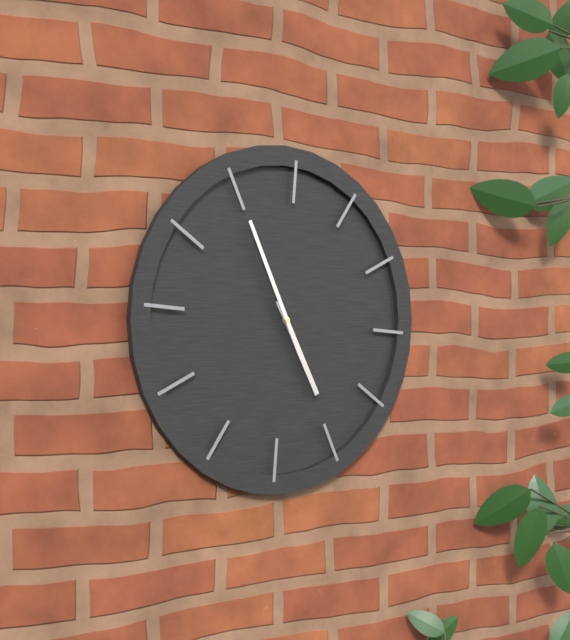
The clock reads 4,55
